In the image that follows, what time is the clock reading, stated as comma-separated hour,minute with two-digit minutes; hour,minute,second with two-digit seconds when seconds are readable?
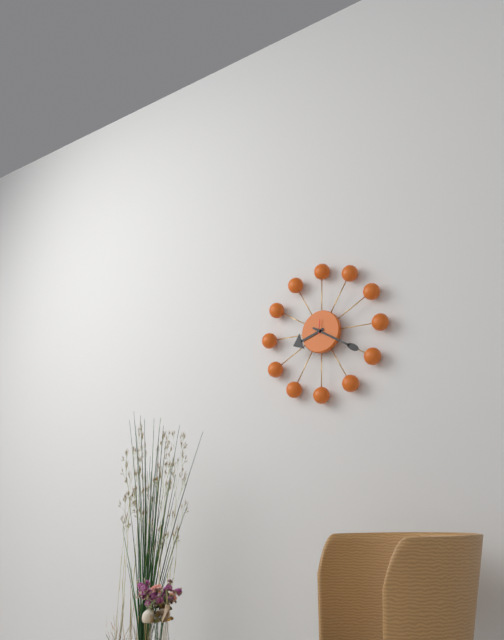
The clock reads 8,20
